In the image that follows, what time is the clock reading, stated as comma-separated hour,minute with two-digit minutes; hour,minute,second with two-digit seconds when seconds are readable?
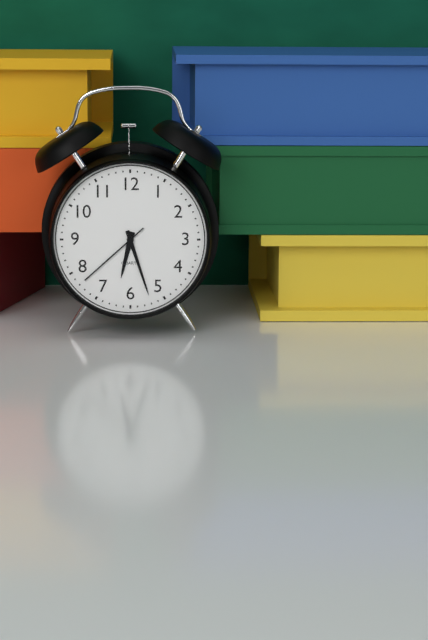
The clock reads 6,27,38
